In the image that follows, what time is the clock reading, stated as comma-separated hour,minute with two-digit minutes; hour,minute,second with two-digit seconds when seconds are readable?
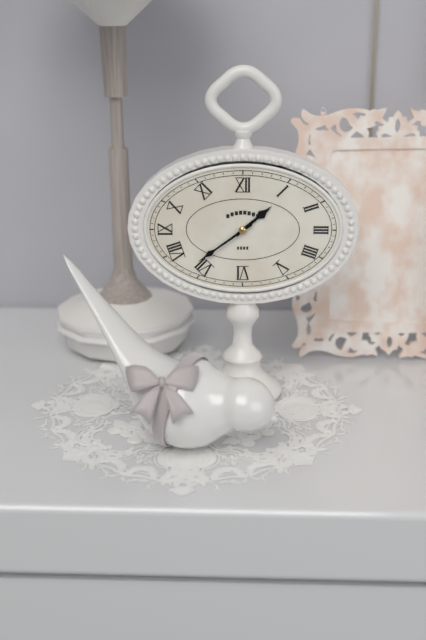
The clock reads 1,39
